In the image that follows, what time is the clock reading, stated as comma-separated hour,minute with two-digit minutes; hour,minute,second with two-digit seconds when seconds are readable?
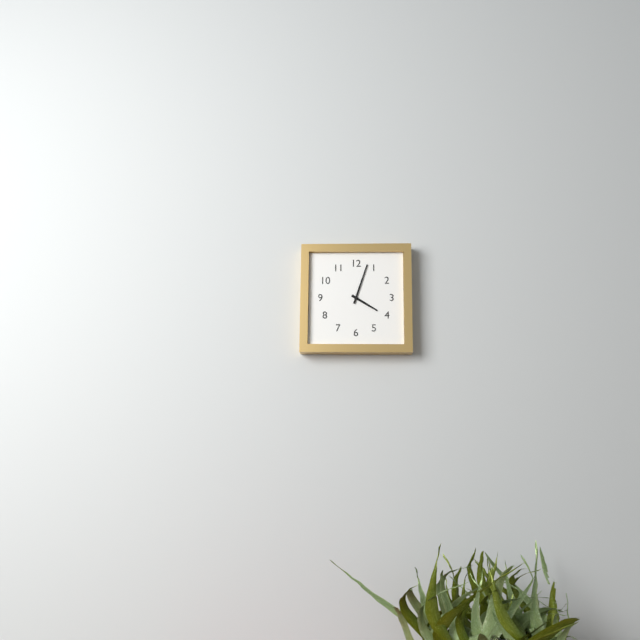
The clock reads 4,03
